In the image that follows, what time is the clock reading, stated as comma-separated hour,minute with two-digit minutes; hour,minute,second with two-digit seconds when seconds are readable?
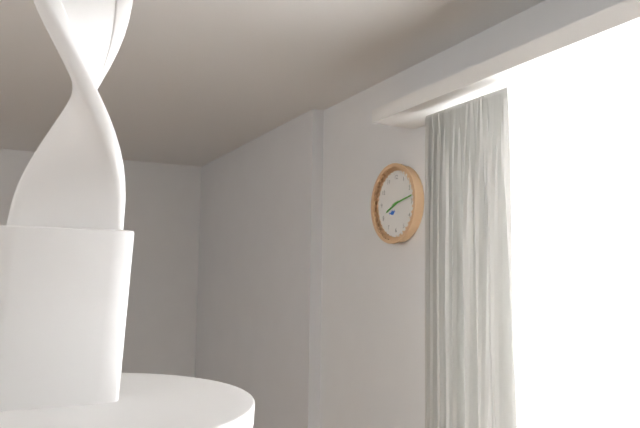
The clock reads 8,13
